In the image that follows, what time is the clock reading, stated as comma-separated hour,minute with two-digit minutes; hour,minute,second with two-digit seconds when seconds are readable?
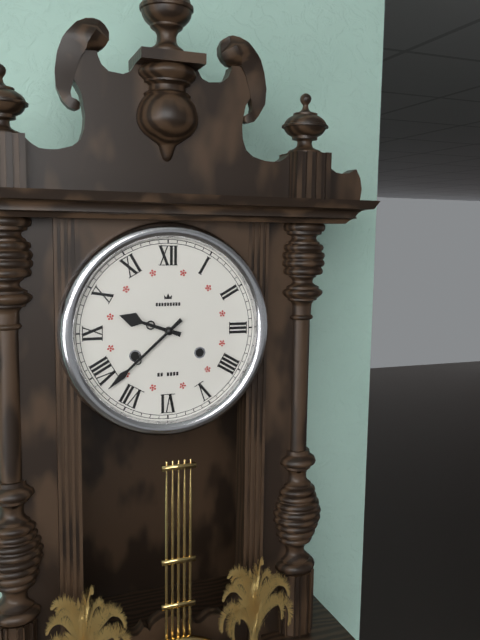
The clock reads 9,38
